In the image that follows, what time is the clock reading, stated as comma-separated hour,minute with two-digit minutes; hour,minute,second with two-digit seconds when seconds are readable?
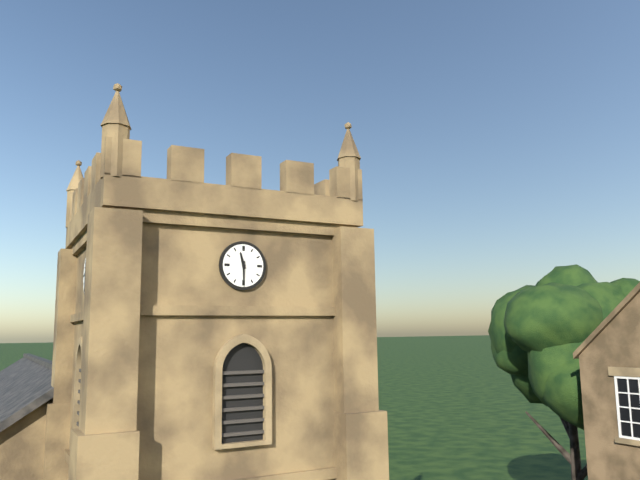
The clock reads 11,30
